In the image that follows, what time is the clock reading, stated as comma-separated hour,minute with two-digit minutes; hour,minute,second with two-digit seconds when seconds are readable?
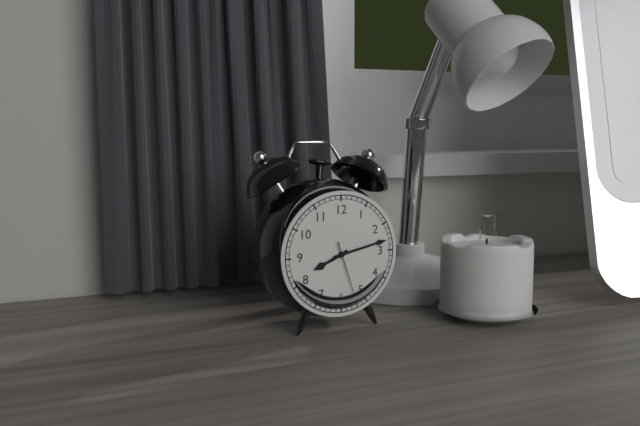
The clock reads 8,13,27
